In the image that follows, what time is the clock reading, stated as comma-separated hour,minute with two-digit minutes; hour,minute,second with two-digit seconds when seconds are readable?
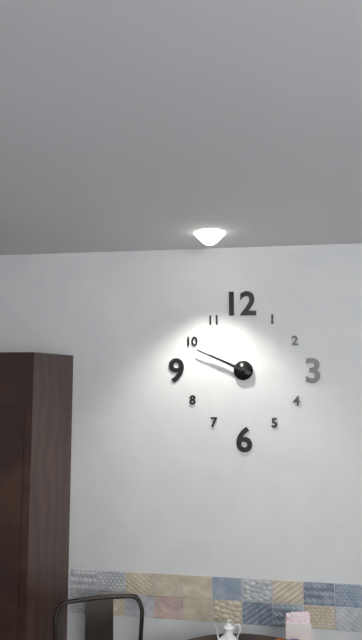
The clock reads 9,49
